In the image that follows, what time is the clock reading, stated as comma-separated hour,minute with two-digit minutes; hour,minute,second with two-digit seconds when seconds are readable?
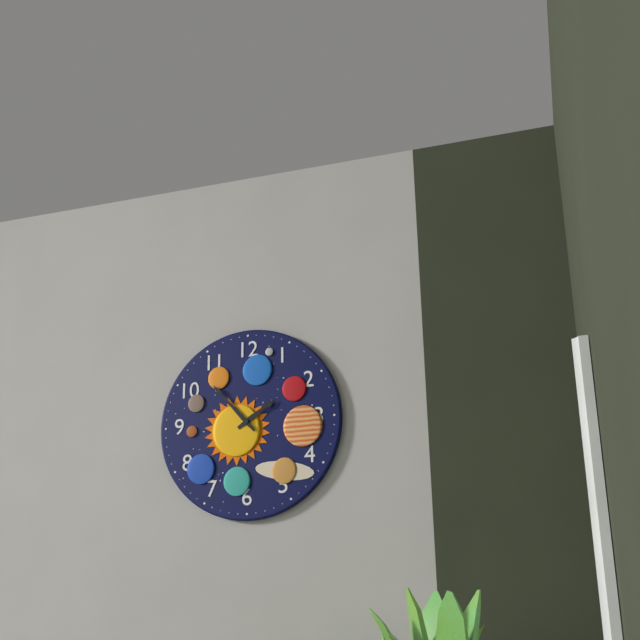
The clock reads 1,53
